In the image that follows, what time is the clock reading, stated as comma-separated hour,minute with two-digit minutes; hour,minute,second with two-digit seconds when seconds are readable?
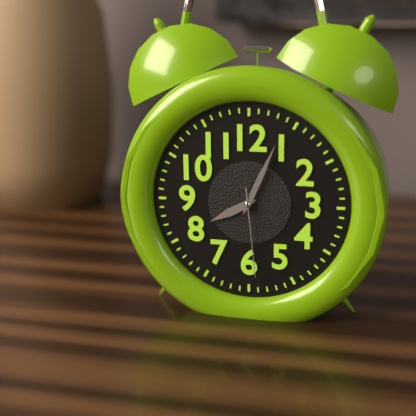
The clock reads 8,04,29
